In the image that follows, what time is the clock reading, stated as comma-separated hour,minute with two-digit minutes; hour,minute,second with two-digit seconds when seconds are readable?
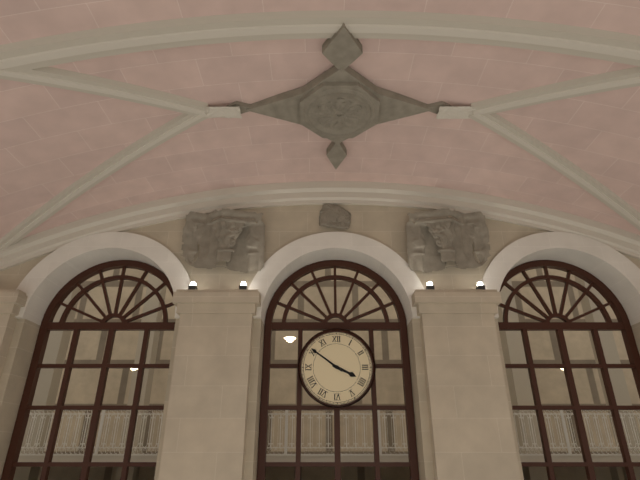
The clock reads 3,51
